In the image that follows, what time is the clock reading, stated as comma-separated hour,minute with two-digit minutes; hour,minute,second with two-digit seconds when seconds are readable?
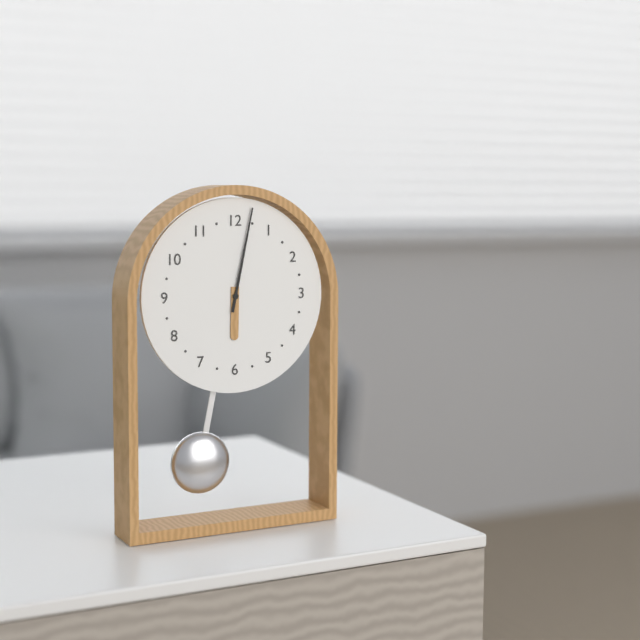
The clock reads 6,02
